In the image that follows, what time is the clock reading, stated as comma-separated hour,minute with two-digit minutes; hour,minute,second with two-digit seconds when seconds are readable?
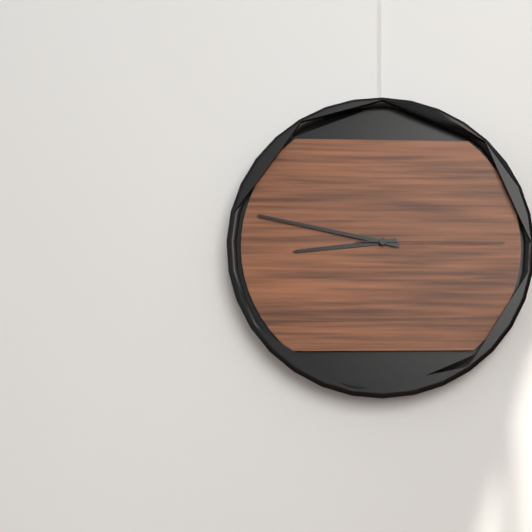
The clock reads 8,47,15
